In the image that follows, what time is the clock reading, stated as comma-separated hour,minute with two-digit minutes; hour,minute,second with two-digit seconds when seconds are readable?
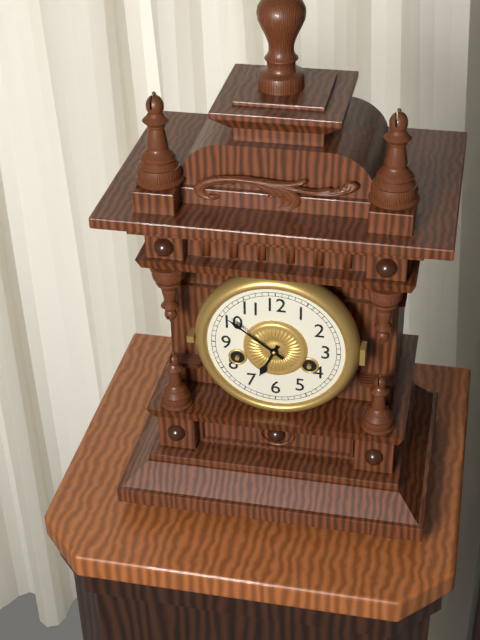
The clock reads 6,51
